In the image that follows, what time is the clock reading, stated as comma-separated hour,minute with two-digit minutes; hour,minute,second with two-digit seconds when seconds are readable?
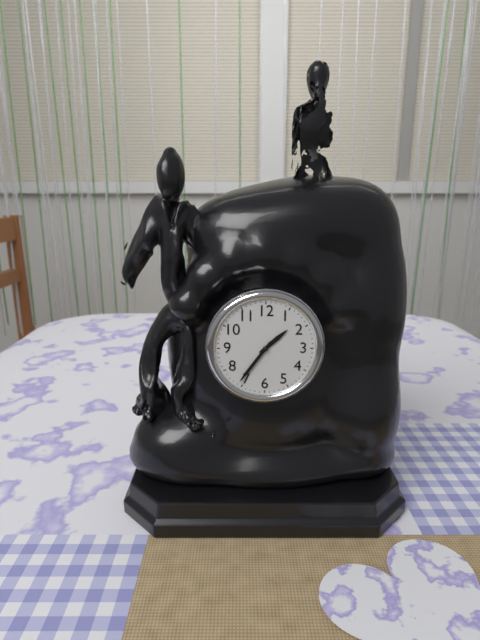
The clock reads 1,36
